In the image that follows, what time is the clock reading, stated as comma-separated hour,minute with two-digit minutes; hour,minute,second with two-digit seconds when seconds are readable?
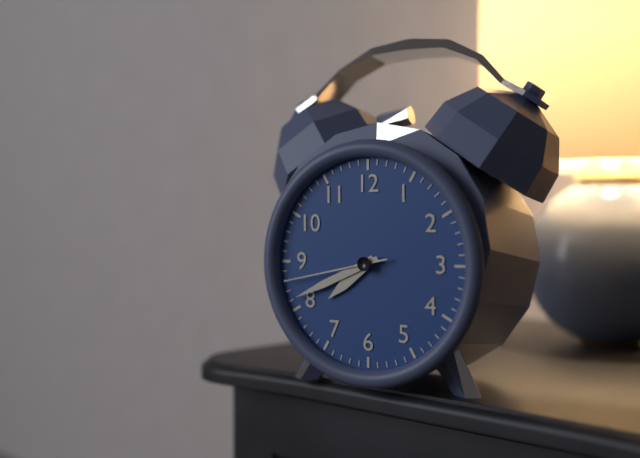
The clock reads 7,41,43
